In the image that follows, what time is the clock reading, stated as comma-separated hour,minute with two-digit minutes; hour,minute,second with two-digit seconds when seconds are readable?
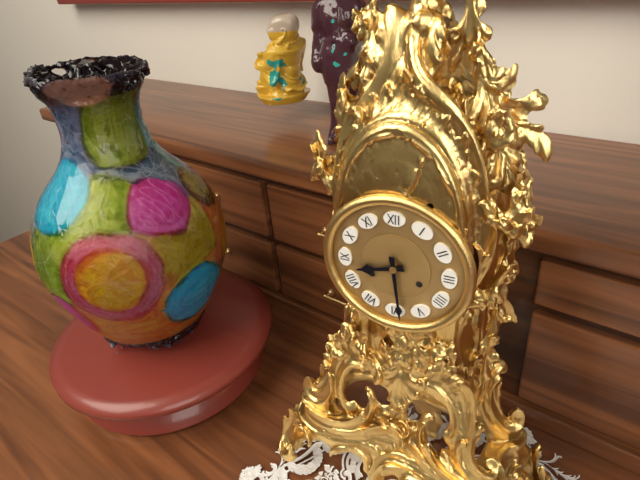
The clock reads 8,29
